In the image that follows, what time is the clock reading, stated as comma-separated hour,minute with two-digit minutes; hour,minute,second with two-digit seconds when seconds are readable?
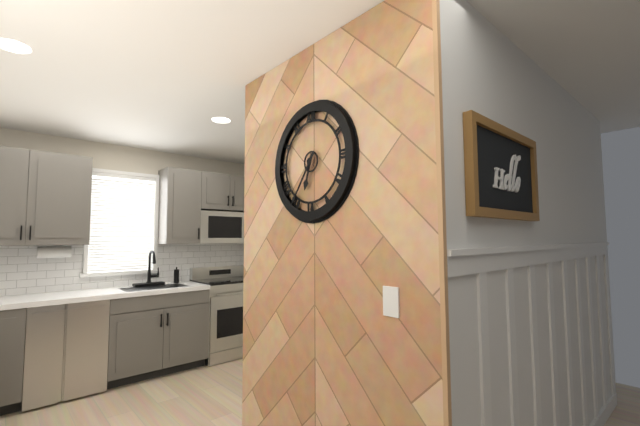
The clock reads 6,36
